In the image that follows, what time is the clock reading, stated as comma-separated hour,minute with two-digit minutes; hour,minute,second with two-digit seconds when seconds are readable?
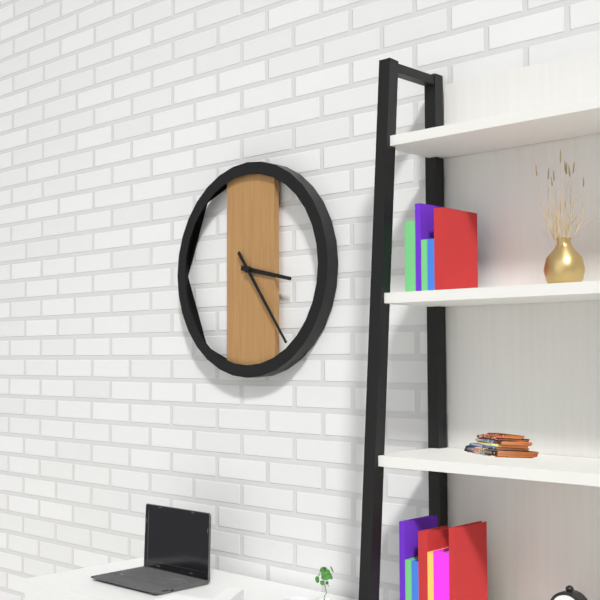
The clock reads 3,24
